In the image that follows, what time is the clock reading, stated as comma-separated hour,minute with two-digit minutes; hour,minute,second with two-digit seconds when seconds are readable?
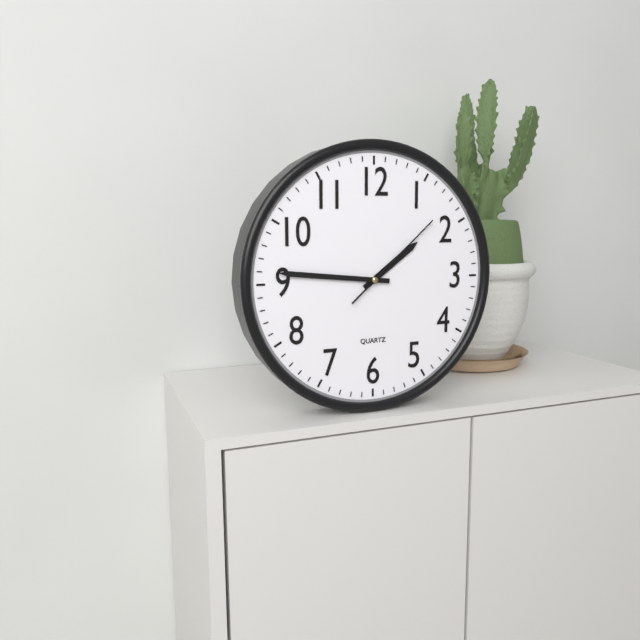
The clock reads 1,46,08
